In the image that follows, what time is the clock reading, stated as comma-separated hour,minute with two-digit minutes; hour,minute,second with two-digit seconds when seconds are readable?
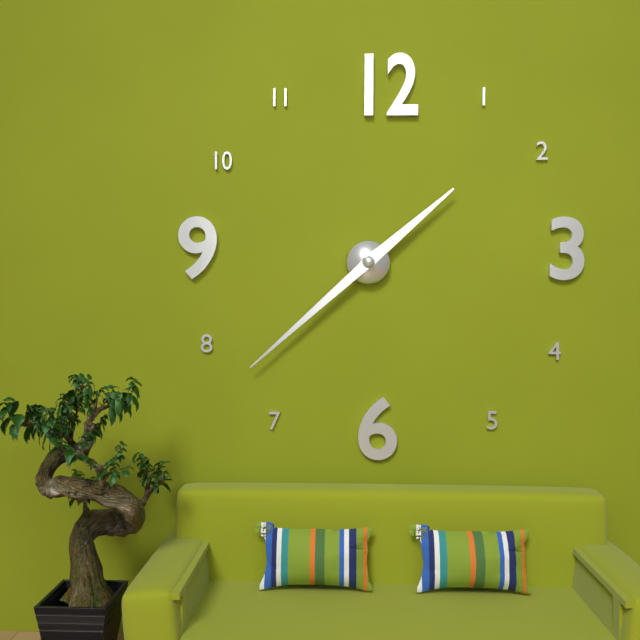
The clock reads 1,38
